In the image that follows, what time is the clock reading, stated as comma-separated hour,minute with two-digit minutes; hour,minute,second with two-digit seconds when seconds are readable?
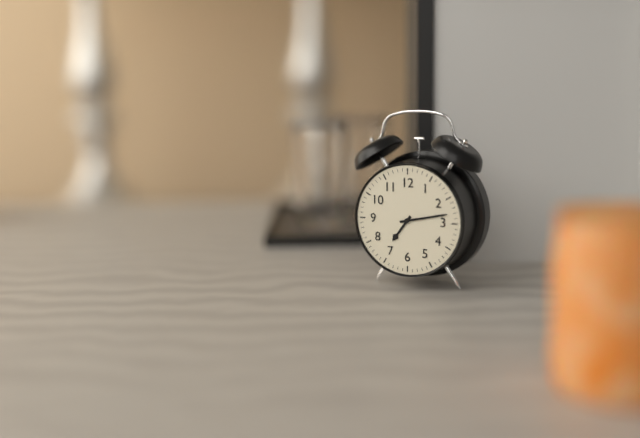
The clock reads 7,13
